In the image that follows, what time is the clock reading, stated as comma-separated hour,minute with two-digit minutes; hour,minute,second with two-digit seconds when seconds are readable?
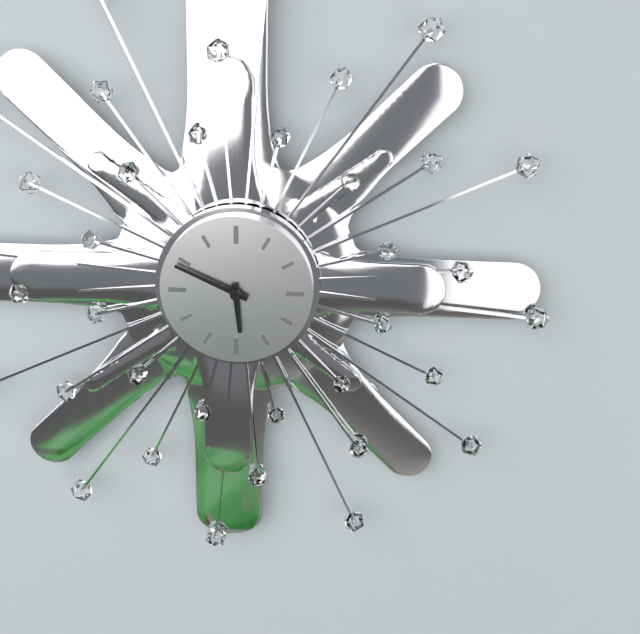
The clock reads 5,49
